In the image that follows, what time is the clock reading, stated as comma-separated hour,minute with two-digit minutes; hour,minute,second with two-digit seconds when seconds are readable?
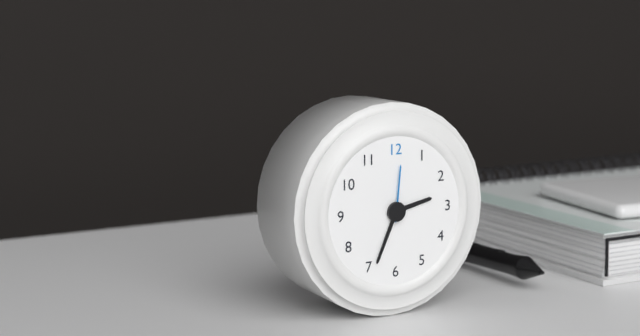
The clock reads 2,34,01
